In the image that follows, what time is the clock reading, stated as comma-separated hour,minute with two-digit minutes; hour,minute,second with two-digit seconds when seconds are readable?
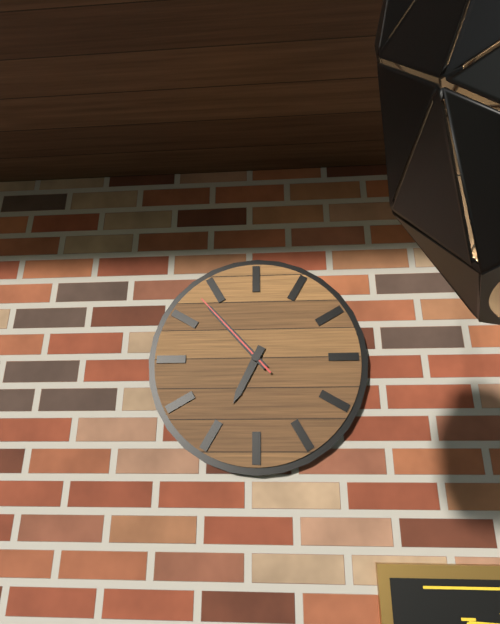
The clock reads 6,53,53
